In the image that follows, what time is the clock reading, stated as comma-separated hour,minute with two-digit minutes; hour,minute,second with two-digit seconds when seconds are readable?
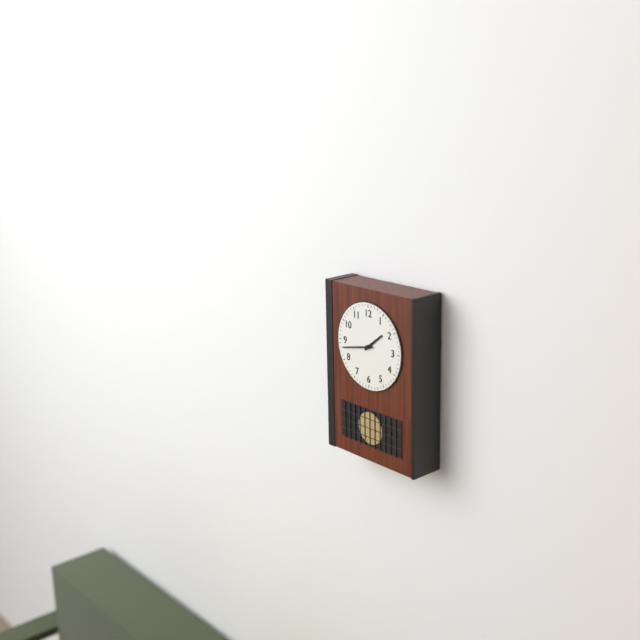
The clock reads 1,43
